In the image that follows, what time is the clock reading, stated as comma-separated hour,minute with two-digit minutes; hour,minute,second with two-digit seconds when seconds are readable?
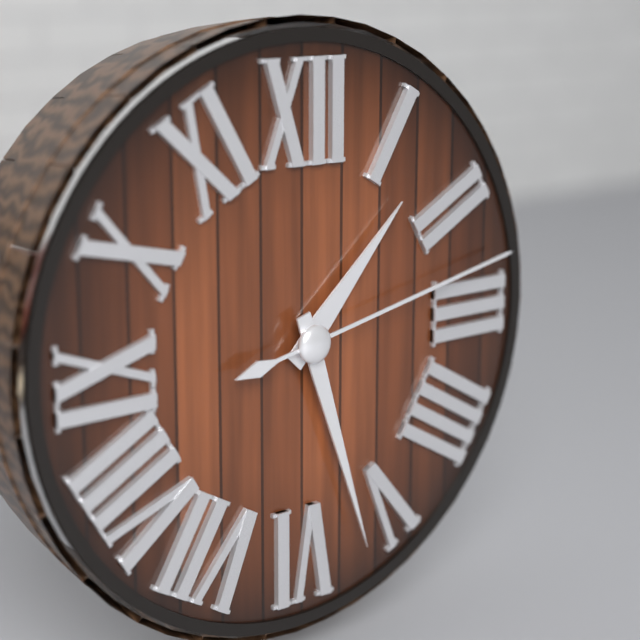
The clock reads 1,27,13
